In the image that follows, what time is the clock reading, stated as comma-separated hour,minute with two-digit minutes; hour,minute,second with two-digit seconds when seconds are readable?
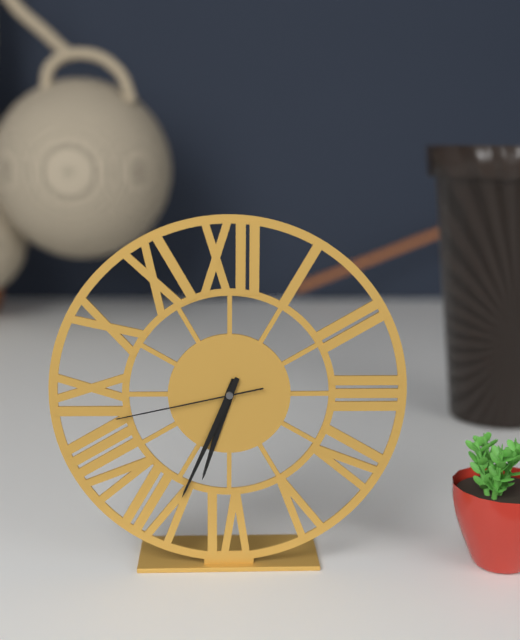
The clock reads 6,34,43
